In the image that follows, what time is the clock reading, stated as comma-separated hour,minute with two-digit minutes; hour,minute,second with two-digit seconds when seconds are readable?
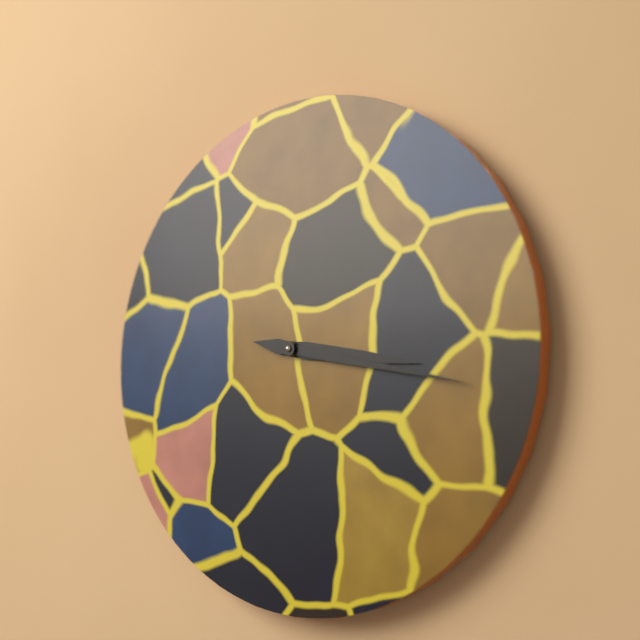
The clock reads 3,17
